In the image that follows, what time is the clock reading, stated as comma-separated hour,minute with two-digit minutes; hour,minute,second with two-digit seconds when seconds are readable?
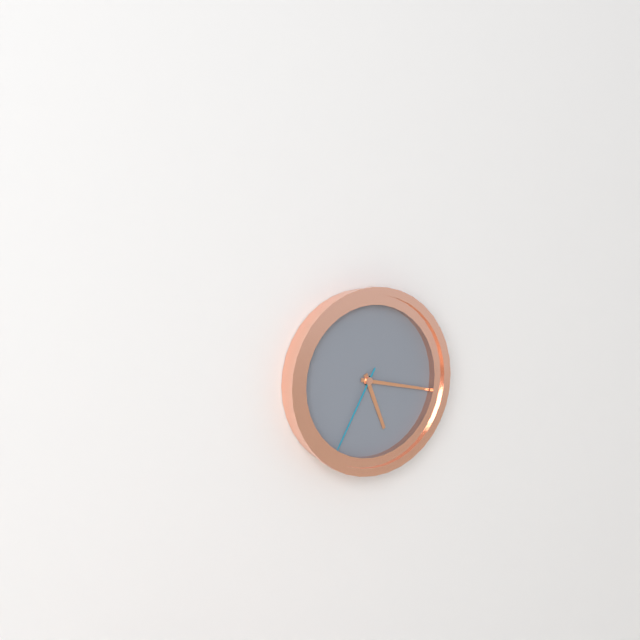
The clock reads 5,17,35
